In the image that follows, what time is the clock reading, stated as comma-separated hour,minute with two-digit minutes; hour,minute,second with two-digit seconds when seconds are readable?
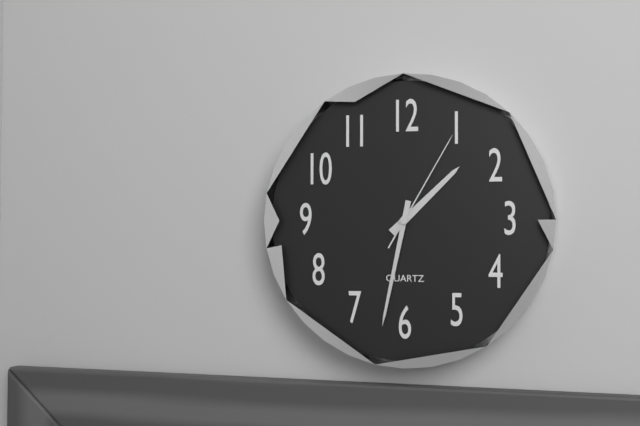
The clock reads 1,32,05
